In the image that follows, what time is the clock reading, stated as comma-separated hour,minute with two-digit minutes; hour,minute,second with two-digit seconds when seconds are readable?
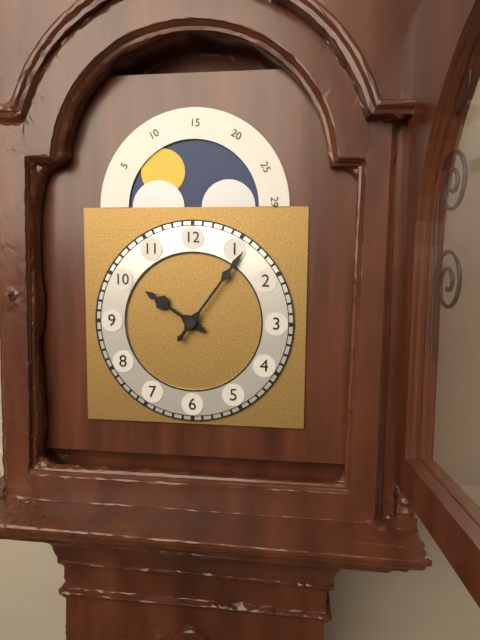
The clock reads 10,06
